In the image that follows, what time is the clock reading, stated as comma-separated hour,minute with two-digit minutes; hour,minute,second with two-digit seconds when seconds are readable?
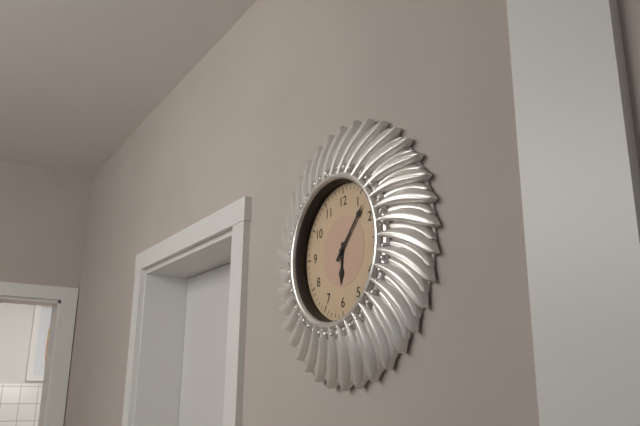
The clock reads 6,07
